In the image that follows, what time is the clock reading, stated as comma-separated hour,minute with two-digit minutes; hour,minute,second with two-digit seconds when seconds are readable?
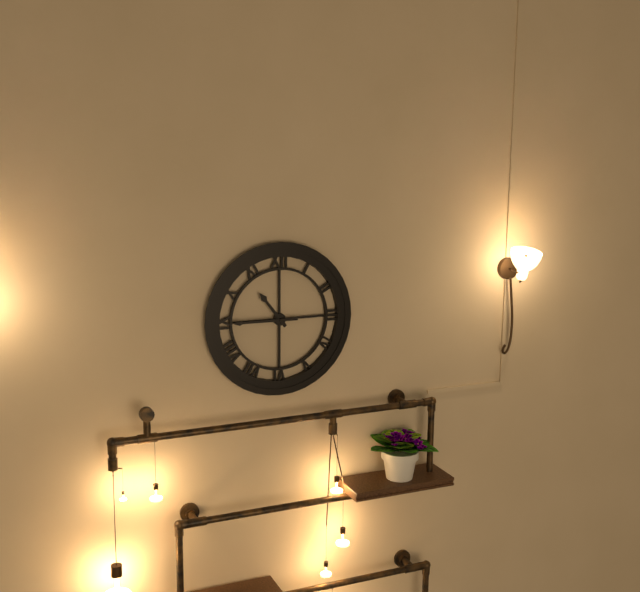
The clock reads 10,45
